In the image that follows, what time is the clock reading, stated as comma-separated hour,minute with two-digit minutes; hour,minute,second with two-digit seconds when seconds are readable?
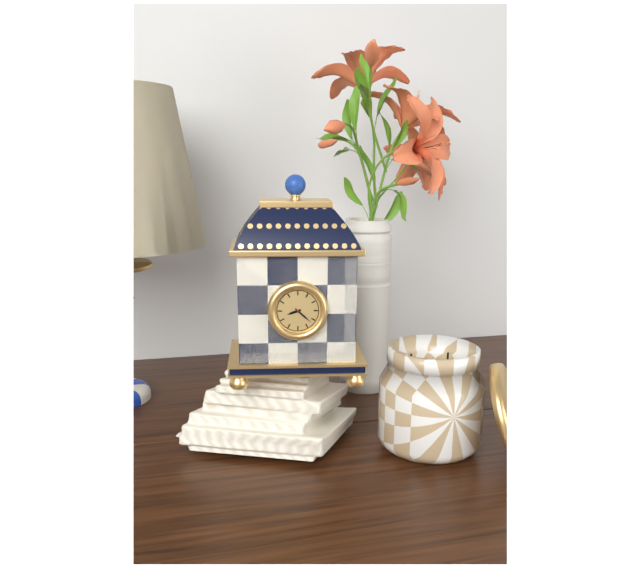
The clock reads 8,22
